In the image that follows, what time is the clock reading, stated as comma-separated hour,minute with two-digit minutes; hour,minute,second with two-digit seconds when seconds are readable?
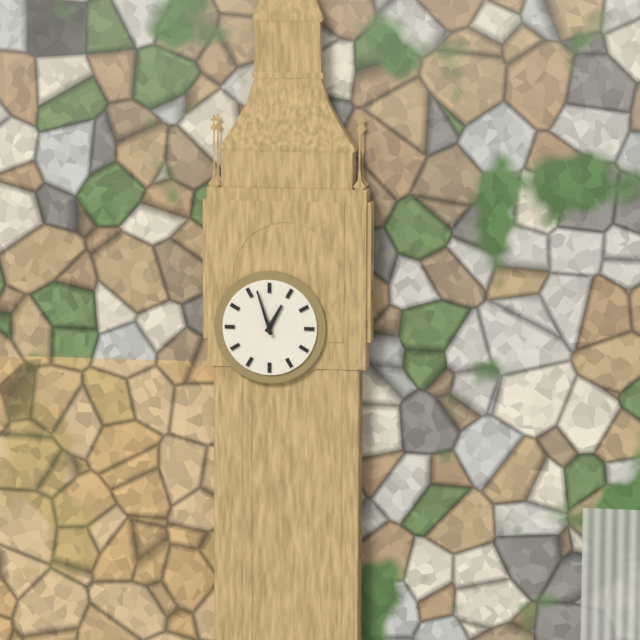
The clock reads 12,57
